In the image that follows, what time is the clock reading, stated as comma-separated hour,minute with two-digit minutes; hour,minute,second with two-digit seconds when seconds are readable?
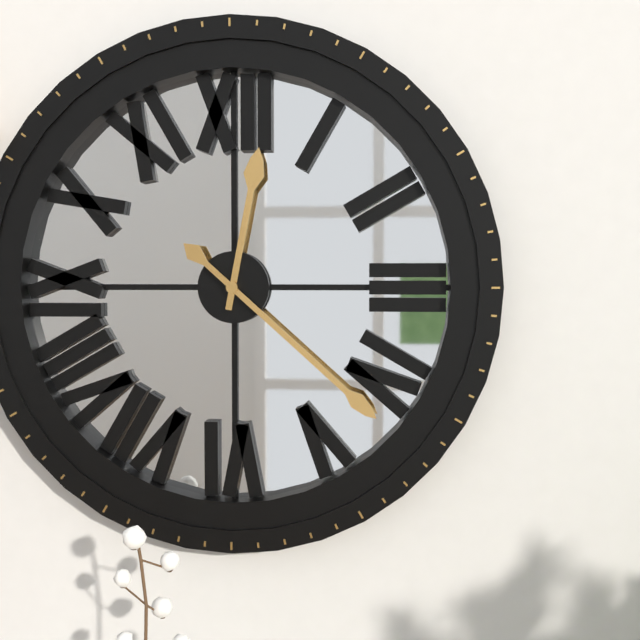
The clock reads 12,22
